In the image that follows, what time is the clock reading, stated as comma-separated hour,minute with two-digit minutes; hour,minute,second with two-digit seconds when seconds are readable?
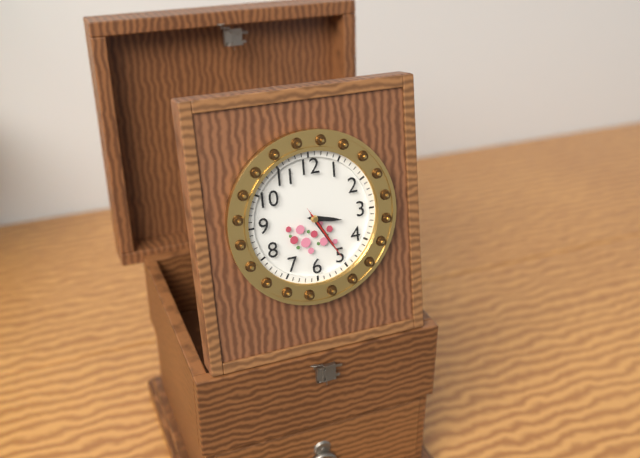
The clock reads 3,25,25
